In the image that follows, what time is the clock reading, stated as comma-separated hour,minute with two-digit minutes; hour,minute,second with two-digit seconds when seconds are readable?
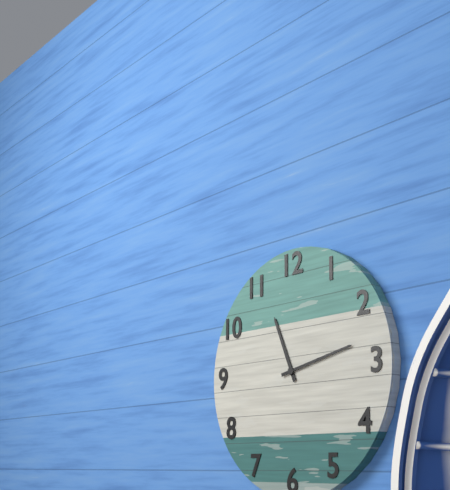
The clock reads 11,13
